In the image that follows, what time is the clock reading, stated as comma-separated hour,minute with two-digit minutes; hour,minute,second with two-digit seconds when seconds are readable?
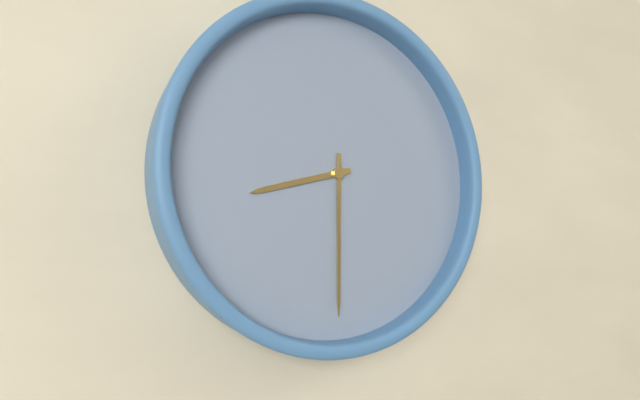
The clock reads 8,30
